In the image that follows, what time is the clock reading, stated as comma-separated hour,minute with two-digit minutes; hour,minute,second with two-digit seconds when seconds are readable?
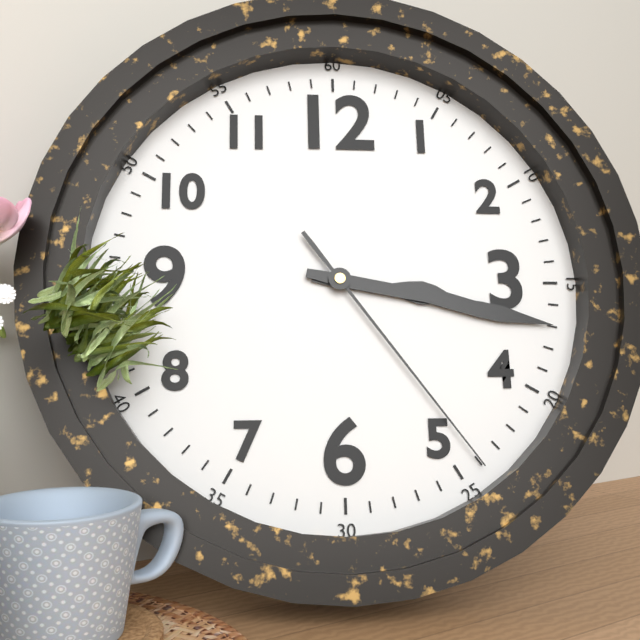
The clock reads 3,17,24
